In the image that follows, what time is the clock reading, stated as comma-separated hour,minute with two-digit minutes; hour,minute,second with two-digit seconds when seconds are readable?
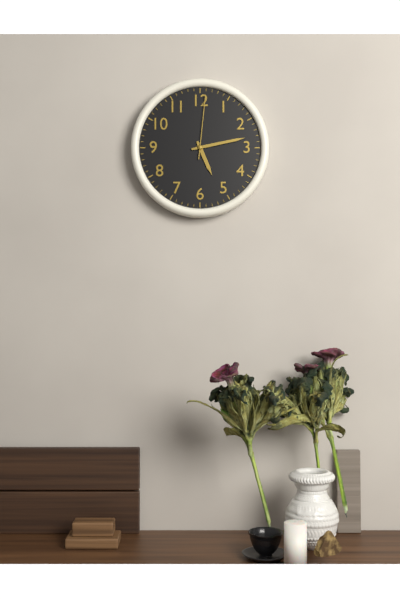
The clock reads 5,13,01
